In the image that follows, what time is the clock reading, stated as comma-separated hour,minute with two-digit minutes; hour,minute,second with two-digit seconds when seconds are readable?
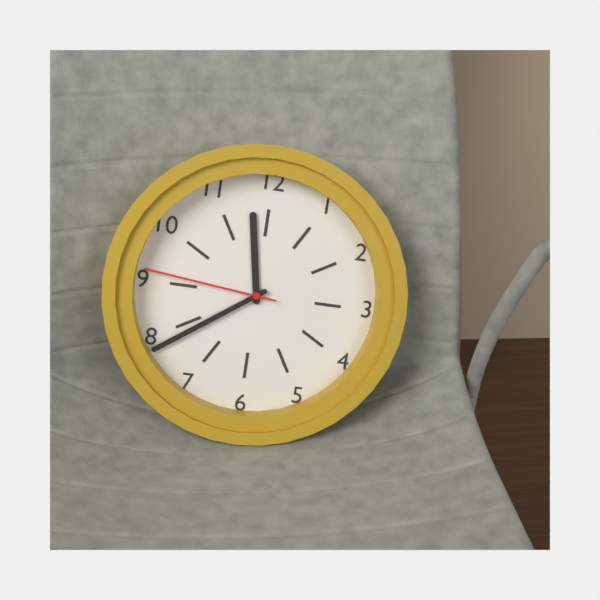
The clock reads 11,39,46
